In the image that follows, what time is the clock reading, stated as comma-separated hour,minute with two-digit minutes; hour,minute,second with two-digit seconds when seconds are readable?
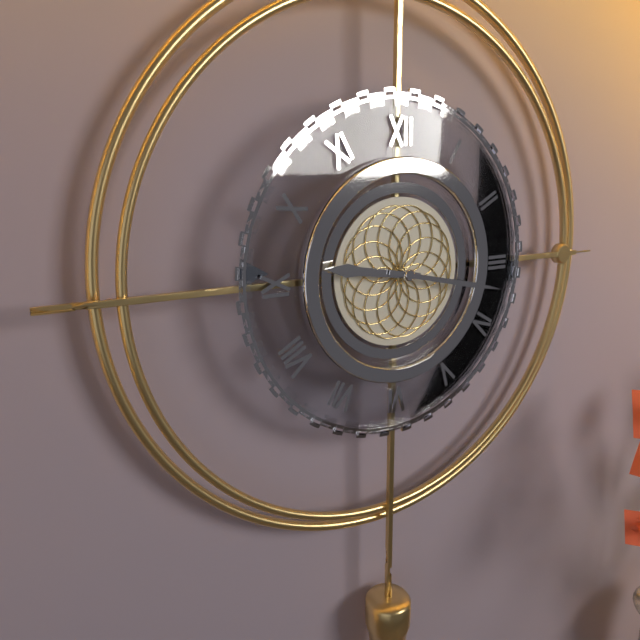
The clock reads 9,17
